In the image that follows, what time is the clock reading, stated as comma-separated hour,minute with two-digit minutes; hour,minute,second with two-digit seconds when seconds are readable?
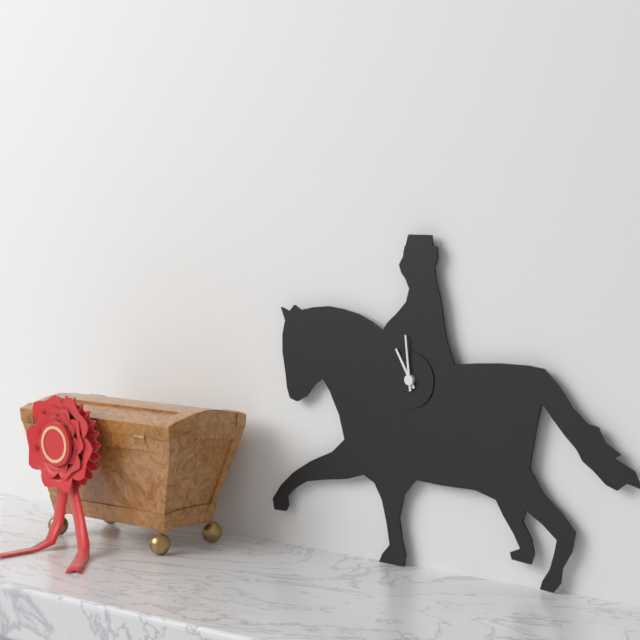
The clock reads 10,59
